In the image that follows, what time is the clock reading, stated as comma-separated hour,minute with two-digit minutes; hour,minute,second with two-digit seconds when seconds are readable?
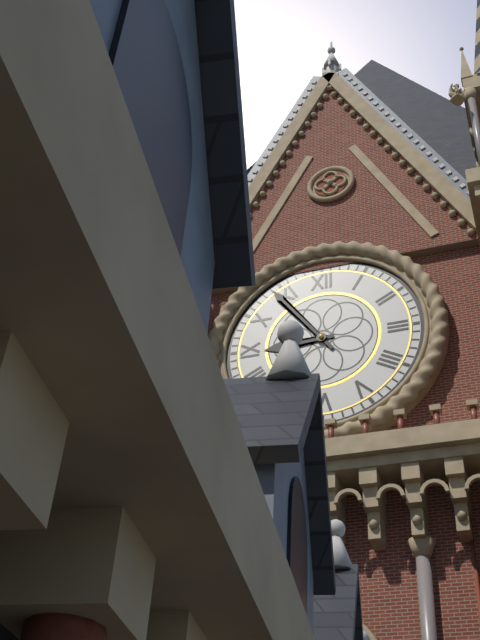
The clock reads 8,54
